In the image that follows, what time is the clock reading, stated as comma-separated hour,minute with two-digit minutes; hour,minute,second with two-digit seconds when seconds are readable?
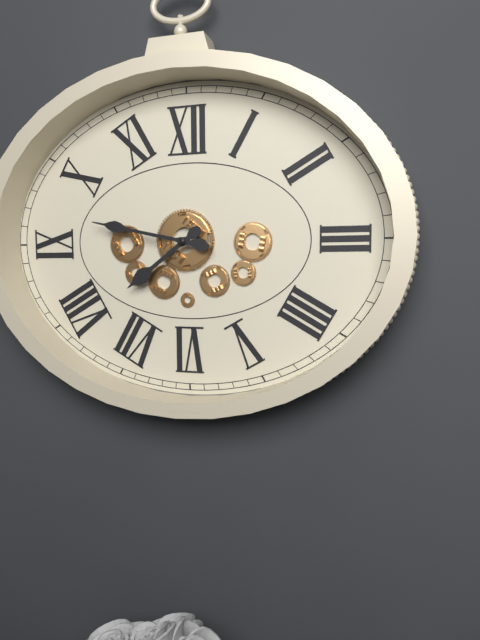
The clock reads 7,47
